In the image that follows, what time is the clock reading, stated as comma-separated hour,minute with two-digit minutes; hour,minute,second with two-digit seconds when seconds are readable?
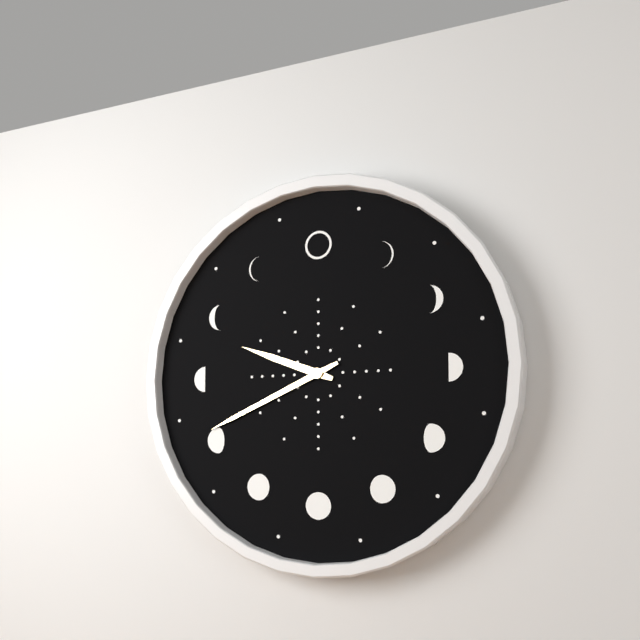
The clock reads 9,41
